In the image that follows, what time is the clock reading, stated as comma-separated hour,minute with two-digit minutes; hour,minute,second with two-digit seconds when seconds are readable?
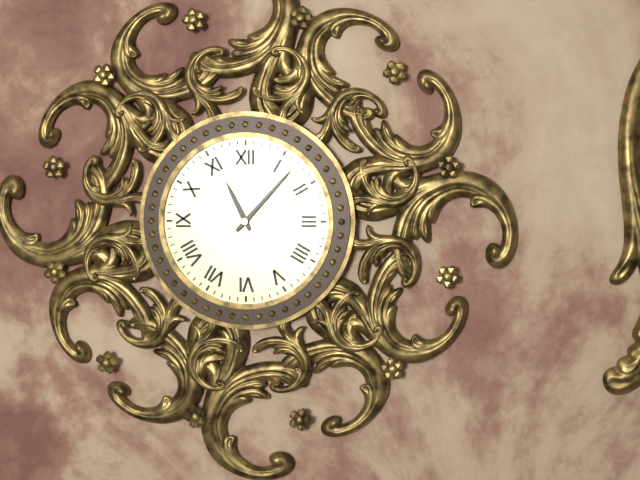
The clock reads 11,07
